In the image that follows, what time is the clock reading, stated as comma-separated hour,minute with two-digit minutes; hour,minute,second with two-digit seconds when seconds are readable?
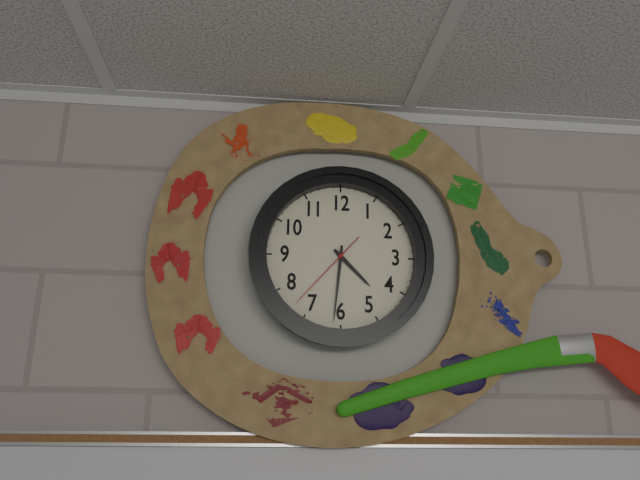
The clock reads 4,31,37
